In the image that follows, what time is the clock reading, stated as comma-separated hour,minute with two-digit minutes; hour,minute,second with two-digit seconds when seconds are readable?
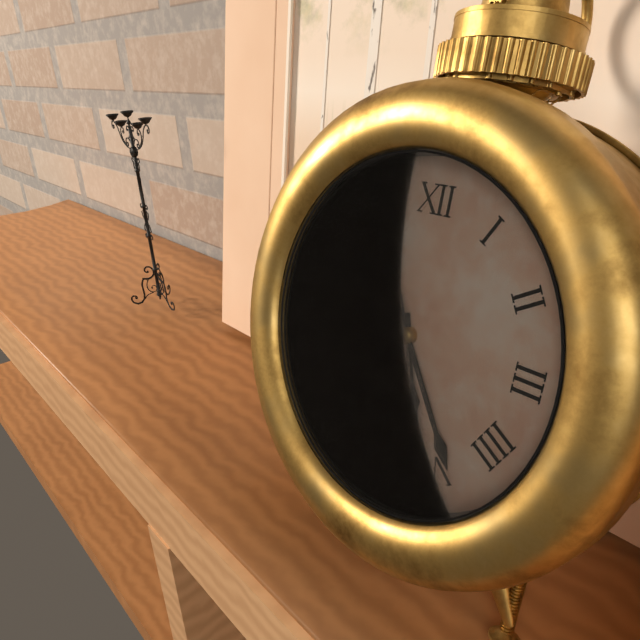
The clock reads 5,24,26
